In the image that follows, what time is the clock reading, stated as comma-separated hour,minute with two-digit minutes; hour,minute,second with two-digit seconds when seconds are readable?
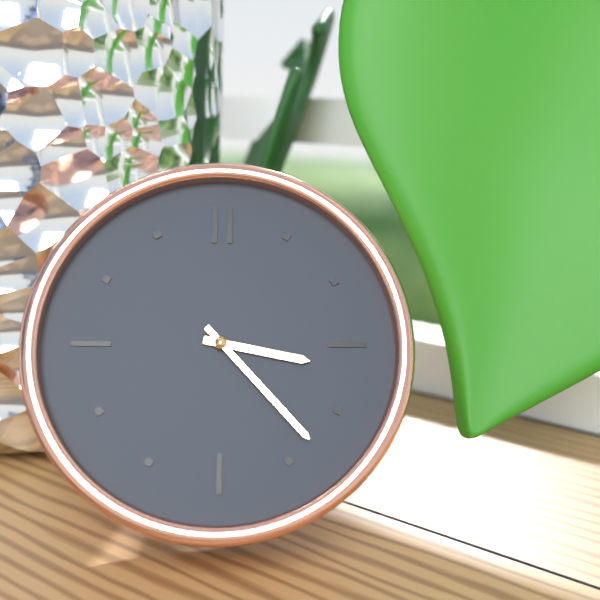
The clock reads 3,23
